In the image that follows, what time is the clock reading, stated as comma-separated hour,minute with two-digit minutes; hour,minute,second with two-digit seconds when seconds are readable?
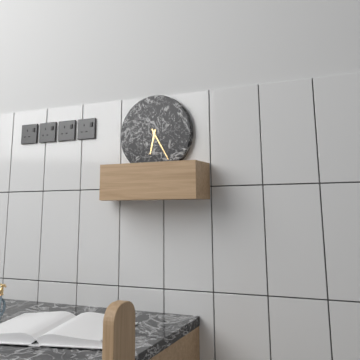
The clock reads 6,25
